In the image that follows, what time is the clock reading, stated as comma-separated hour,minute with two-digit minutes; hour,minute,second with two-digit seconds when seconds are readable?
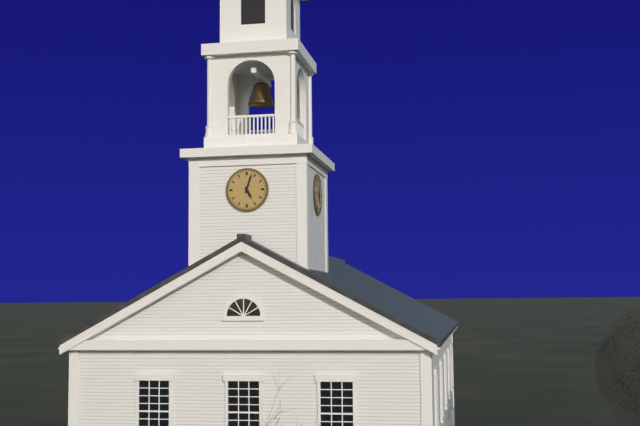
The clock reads 5,03
